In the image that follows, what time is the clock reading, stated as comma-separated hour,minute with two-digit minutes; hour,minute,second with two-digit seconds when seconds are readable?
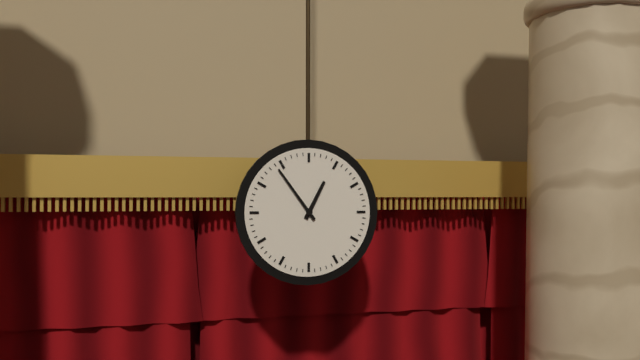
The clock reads 12,54
